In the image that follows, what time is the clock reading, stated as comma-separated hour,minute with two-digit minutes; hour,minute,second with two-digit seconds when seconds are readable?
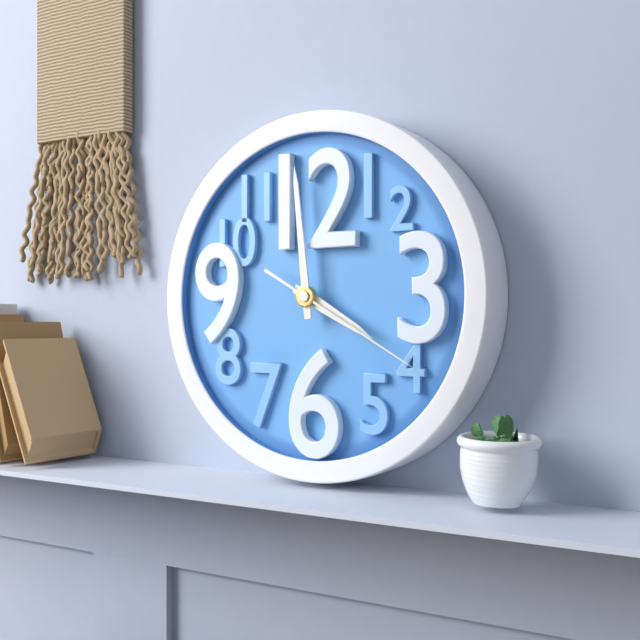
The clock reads 3,59,20
